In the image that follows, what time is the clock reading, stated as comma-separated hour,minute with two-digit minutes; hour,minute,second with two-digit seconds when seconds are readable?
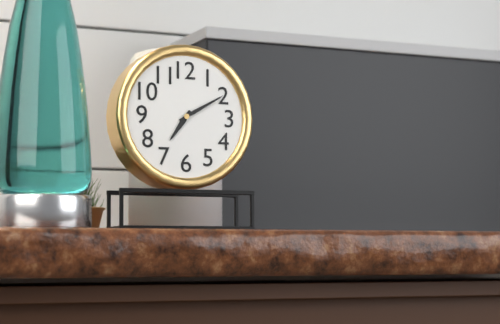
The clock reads 7,10
